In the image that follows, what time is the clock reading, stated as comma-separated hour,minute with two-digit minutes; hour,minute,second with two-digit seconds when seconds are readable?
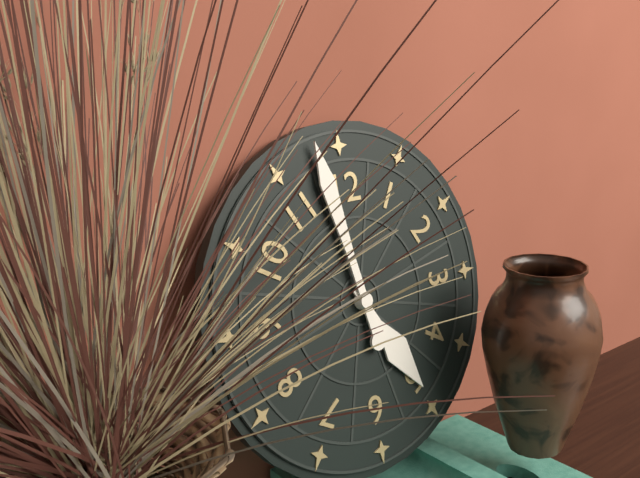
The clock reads 4,58
